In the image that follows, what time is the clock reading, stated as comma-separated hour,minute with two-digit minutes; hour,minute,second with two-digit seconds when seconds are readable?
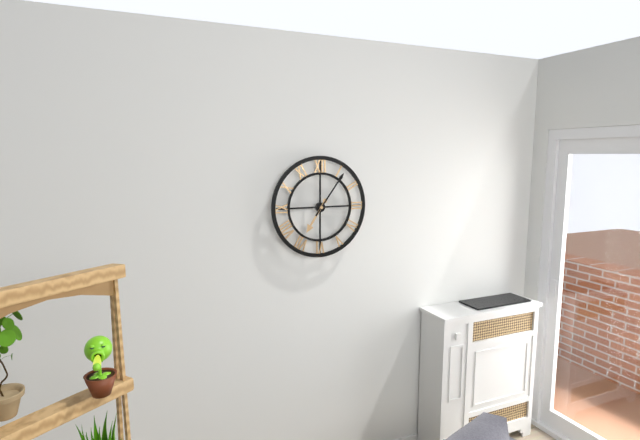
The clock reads 7,06
